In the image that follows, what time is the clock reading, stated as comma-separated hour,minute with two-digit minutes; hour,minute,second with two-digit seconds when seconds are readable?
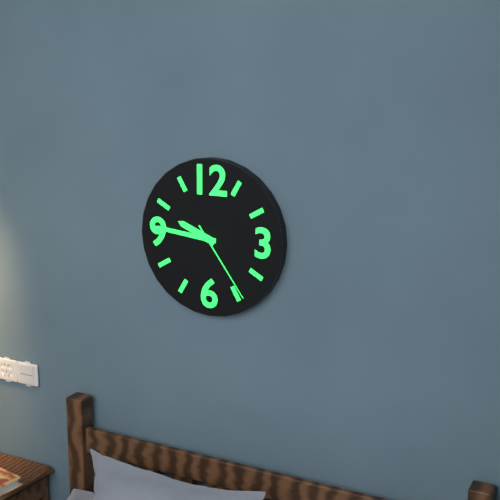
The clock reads 9,46,24
